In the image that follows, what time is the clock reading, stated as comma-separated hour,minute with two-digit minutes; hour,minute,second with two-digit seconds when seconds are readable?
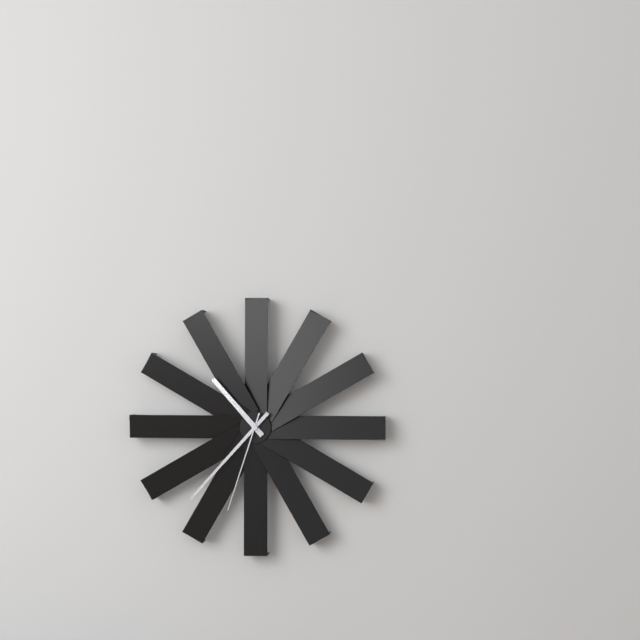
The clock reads 10,37,33
